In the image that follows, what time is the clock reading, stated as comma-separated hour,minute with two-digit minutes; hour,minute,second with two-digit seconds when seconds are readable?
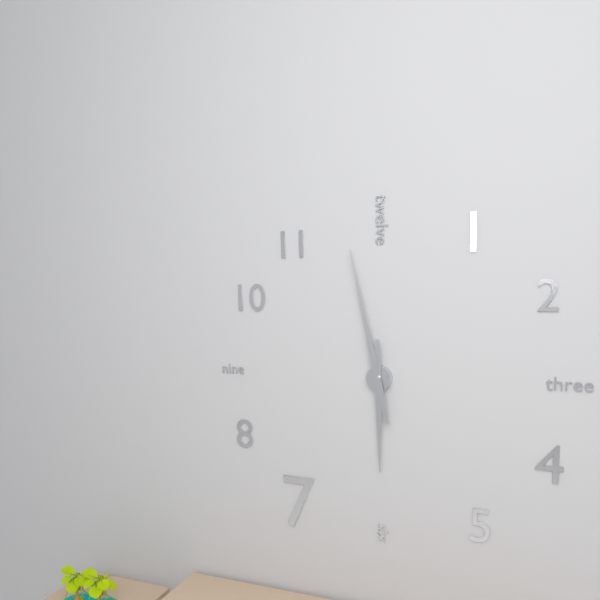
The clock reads 5,58
